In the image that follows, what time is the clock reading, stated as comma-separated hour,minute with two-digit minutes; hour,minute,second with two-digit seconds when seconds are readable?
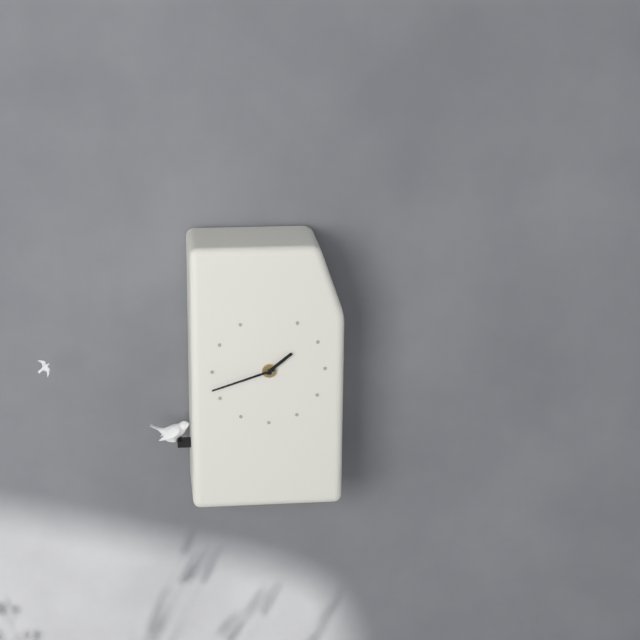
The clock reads 1,42
